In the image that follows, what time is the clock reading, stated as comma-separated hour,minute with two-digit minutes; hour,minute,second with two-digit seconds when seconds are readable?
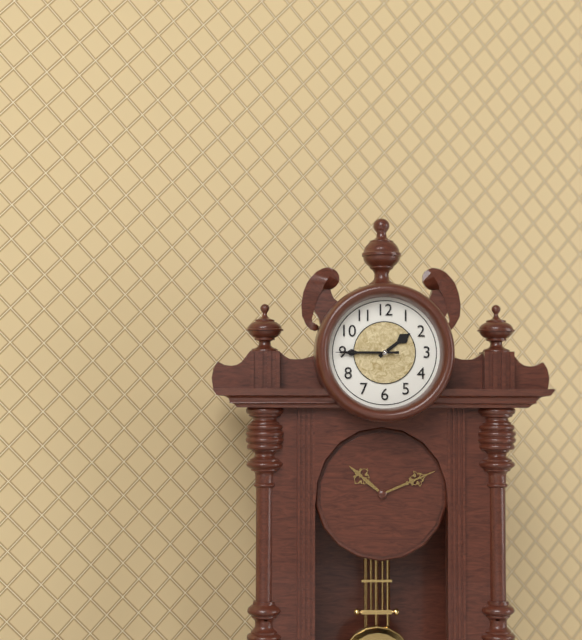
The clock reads 1,45,45
